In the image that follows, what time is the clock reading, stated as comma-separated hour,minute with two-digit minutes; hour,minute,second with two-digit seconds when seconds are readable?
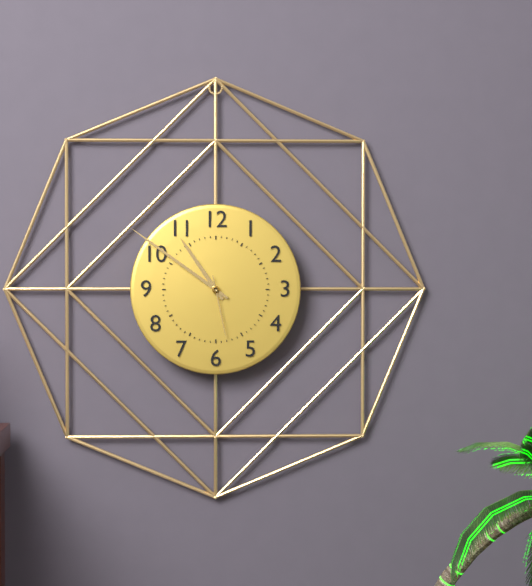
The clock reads 10,51,28
